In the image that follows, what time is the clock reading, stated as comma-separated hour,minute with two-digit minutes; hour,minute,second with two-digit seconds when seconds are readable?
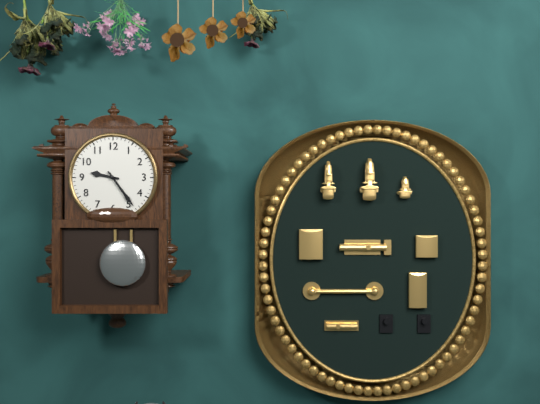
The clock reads 9,24
